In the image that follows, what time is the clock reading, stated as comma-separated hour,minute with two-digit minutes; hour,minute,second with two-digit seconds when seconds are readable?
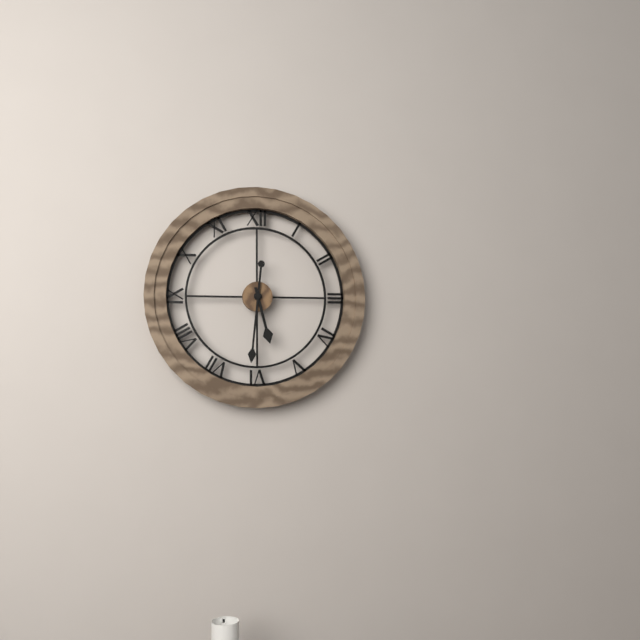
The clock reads 5,31
